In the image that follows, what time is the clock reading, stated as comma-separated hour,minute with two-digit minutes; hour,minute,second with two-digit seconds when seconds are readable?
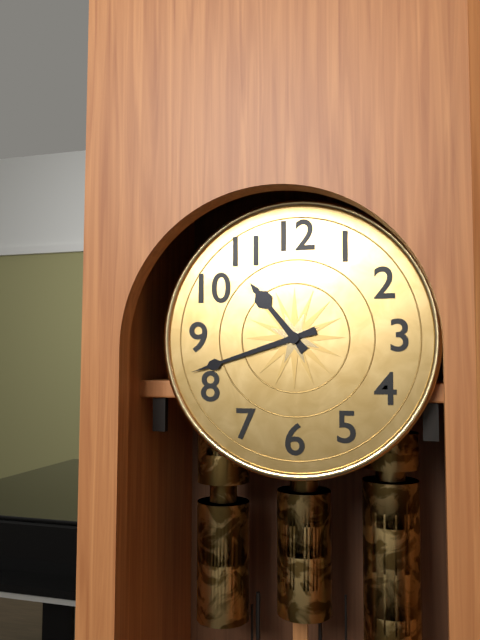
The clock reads 10,42
